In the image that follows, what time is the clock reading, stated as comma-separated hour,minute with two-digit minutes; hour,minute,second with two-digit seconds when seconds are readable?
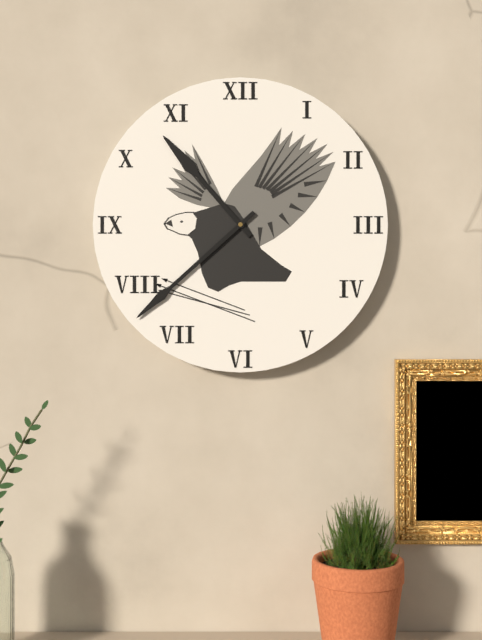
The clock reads 10,38
